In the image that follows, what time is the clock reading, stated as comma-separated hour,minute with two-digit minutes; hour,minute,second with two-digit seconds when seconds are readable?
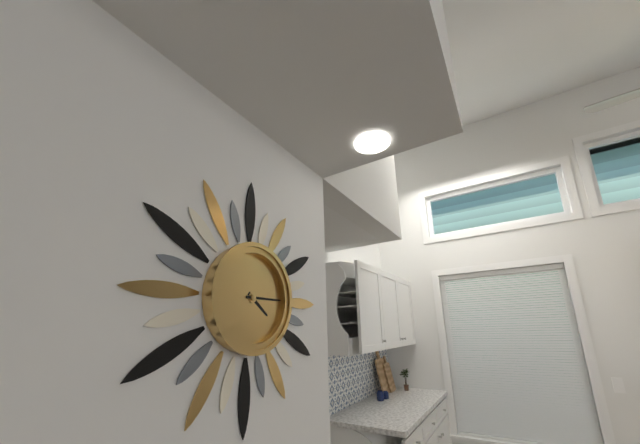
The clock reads 4,15
